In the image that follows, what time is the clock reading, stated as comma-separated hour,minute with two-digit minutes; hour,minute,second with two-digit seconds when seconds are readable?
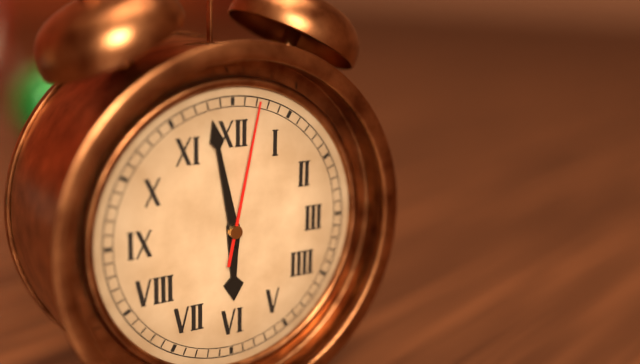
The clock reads 5,58,02
